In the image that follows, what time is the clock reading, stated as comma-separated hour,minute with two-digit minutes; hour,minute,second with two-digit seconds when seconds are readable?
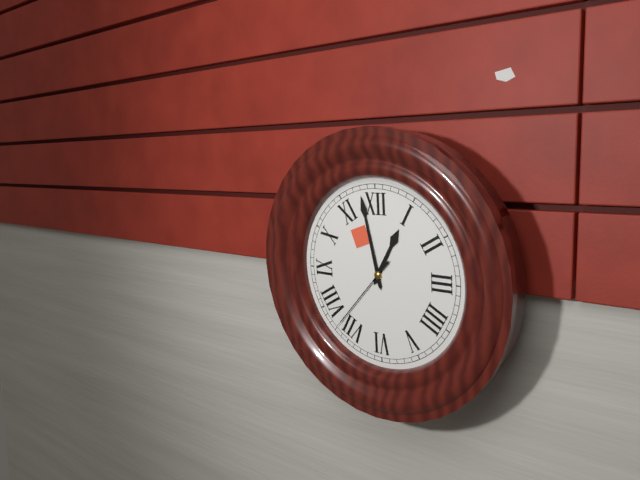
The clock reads 12,58,37
